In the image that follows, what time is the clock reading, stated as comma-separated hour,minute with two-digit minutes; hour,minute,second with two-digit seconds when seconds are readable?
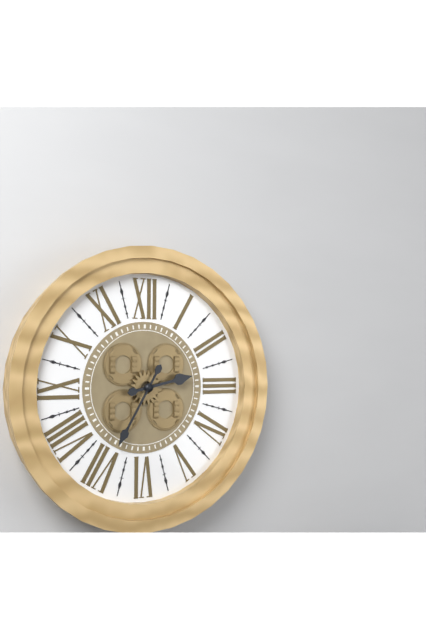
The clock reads 2,35
